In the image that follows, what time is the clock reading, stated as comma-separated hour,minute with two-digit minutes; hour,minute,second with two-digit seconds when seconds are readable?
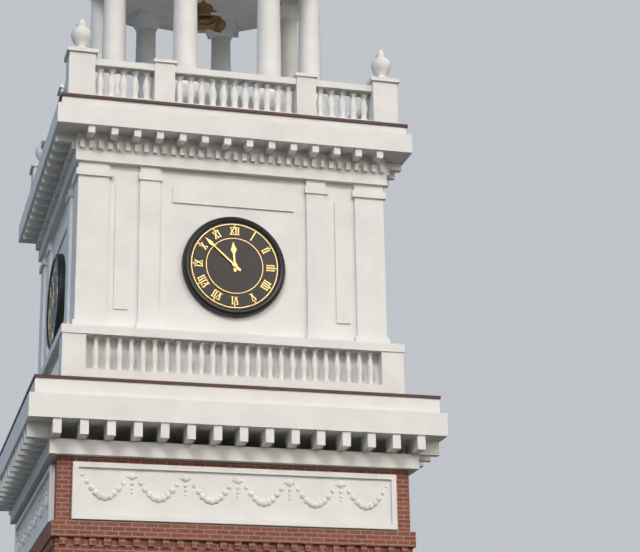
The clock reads 11,52
